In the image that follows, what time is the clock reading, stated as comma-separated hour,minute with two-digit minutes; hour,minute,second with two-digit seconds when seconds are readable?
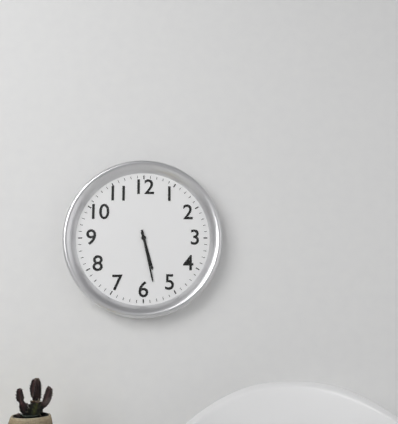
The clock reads 5,28
